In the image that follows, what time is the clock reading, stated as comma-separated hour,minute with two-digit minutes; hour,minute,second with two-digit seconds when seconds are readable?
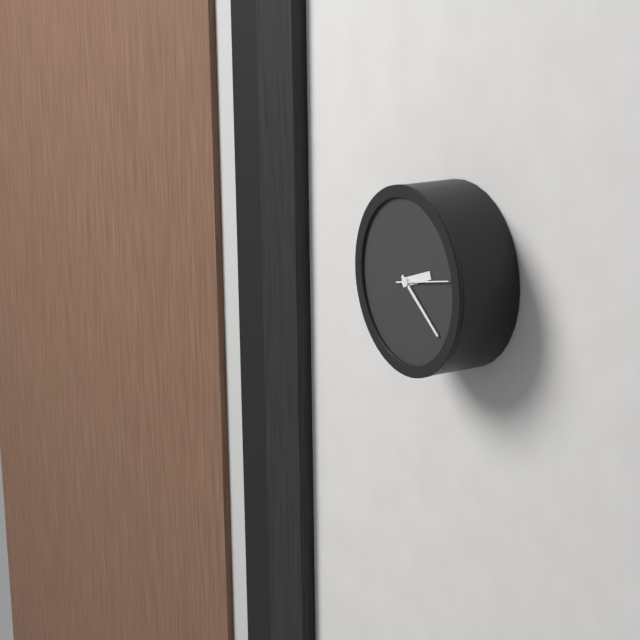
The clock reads 2,21,13
